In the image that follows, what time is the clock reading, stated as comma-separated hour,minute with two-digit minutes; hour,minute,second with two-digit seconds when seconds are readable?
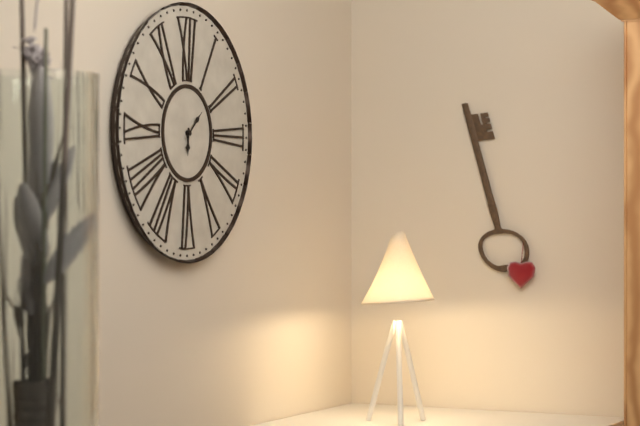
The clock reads 6,08
